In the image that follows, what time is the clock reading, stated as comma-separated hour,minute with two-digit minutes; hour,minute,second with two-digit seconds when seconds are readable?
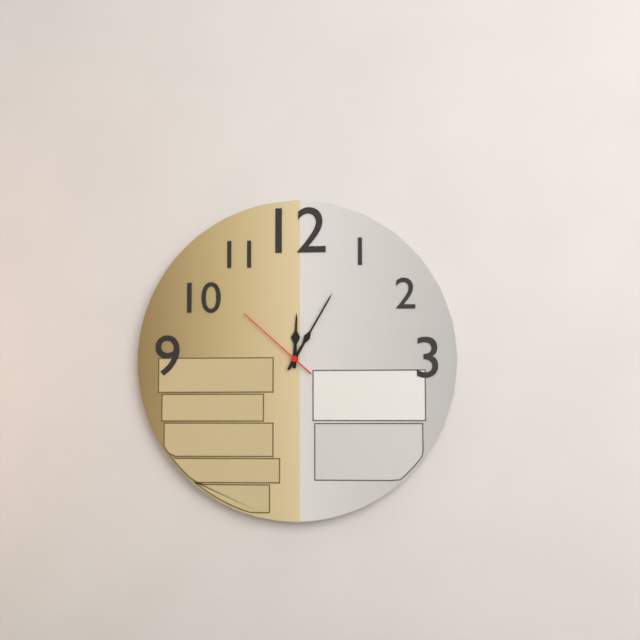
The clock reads 12,05,52
